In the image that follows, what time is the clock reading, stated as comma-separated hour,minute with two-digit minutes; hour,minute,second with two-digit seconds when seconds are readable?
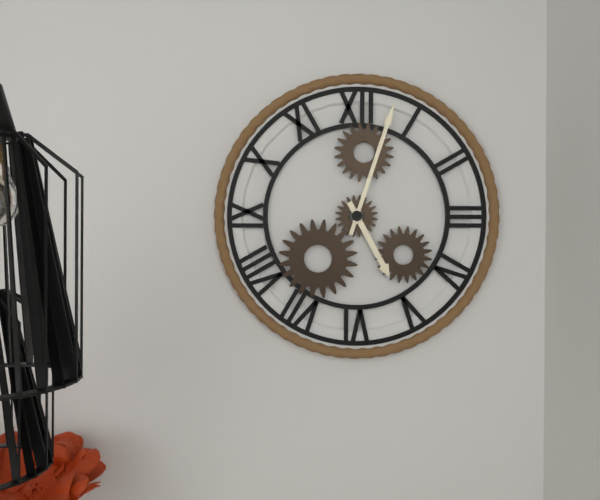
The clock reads 5,03
